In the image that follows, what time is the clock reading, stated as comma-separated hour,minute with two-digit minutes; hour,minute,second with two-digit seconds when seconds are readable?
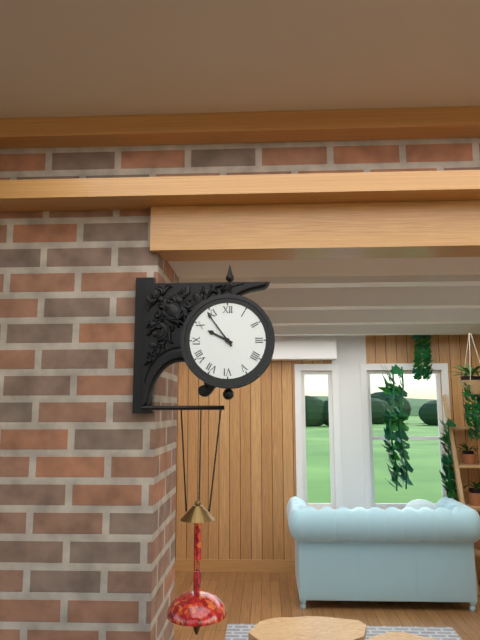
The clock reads 9,54
